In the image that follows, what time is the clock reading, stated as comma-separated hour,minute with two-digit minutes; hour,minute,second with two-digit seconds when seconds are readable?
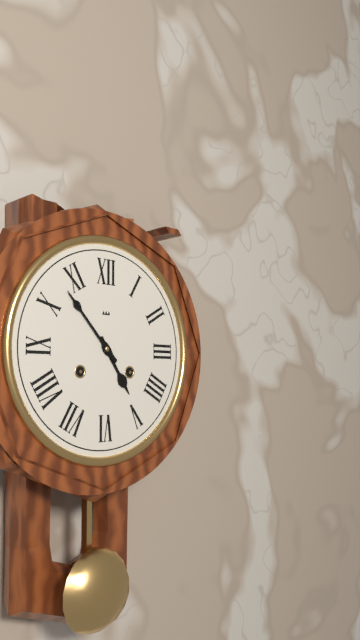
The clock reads 4,53
